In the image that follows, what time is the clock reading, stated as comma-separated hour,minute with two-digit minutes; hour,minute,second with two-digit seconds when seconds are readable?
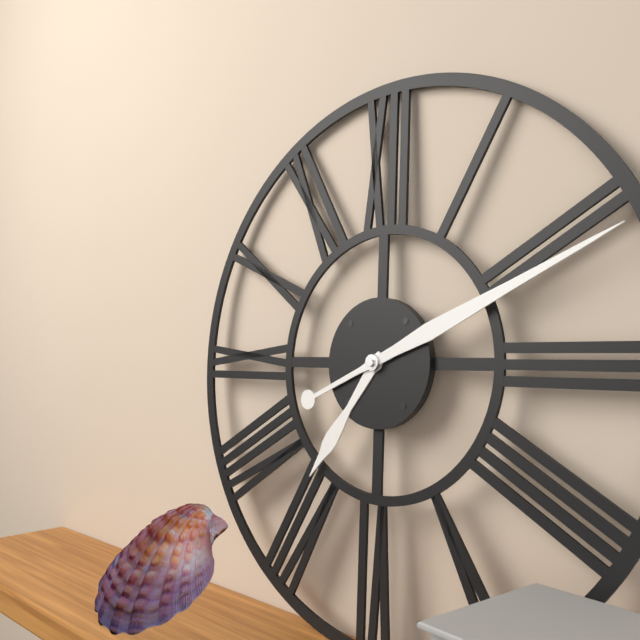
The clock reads 7,11
